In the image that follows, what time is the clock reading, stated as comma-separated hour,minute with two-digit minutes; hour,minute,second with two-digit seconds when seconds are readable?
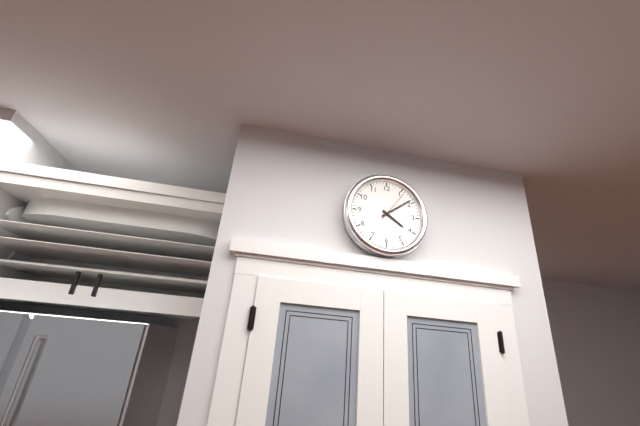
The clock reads 4,09
